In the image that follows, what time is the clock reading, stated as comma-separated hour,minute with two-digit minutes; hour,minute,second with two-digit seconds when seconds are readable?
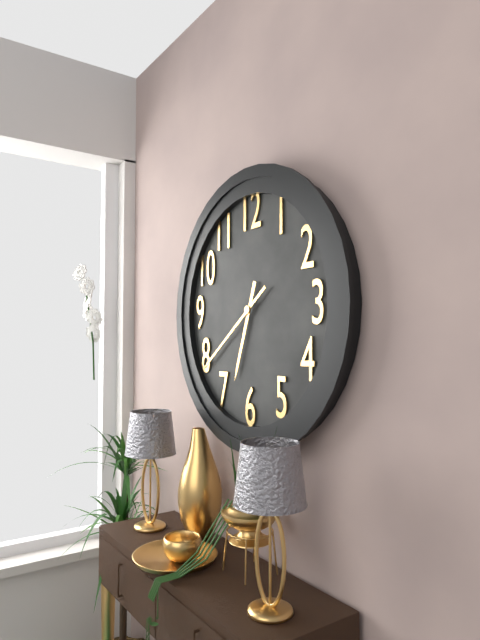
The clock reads 6,39
